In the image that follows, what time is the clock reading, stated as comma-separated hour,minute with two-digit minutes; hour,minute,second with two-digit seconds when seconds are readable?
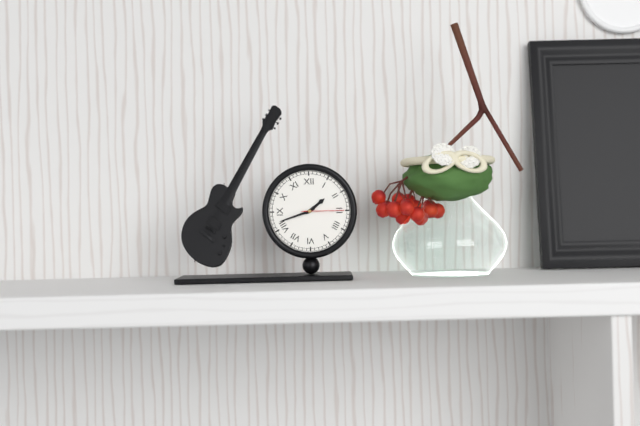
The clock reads 1,42
